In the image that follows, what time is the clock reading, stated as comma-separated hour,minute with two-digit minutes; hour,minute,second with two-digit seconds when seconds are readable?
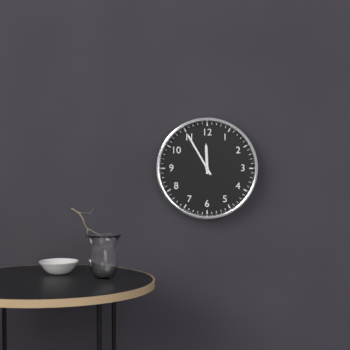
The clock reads 11,55
